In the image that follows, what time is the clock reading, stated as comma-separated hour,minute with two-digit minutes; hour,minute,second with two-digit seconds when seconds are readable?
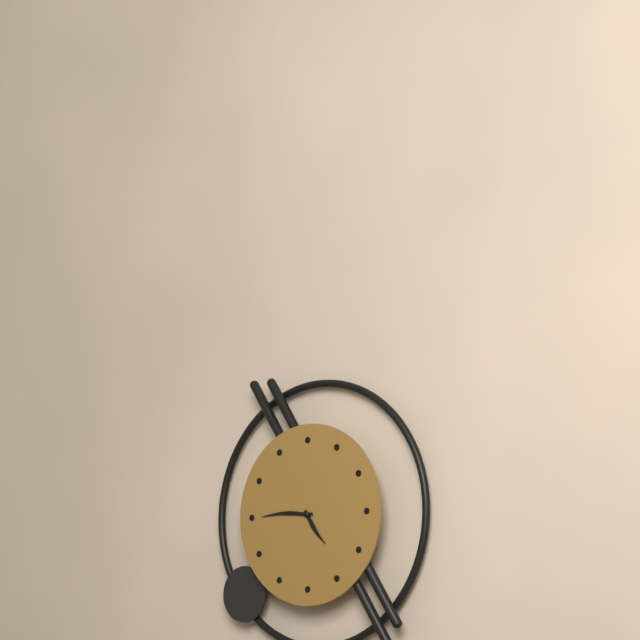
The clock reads 4,45
